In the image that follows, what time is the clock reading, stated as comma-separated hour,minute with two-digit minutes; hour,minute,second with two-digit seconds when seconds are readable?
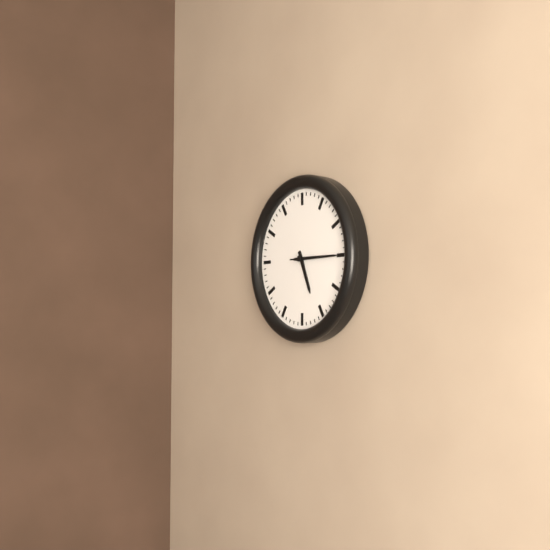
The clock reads 5,15
